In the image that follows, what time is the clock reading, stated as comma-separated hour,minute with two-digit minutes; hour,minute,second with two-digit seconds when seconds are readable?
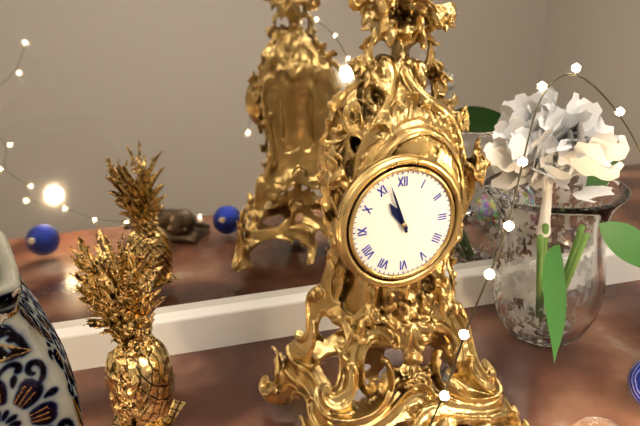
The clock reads 10,57
